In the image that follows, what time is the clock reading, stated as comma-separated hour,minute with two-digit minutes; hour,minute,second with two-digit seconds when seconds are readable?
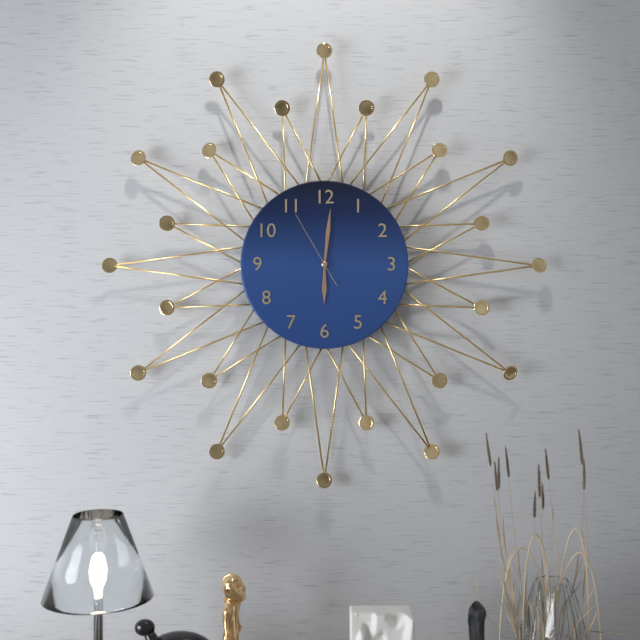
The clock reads 6,01,55
